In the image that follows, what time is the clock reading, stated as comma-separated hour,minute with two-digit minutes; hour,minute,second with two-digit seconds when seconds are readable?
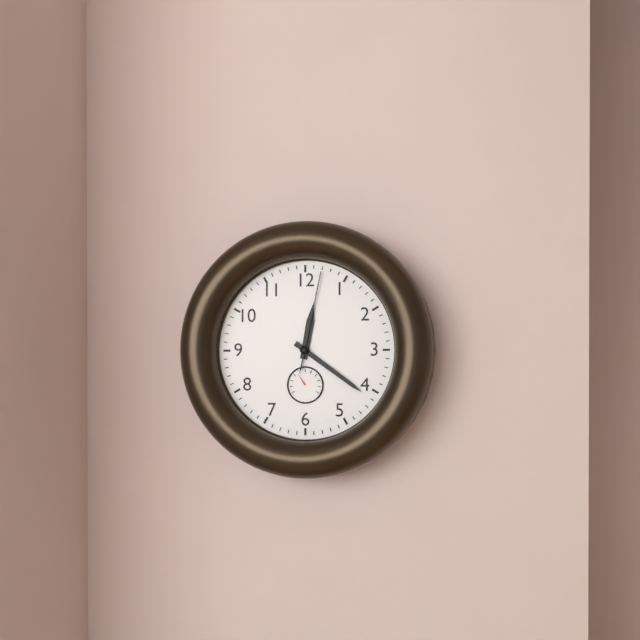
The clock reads 12,21,02
